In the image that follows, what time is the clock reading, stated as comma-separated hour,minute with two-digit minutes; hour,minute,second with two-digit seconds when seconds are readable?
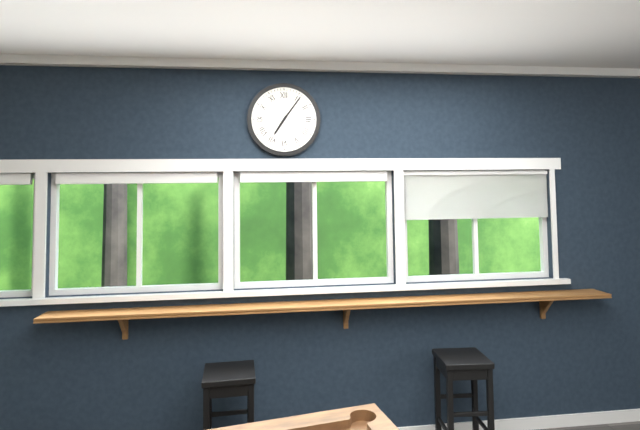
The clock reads 7,06
